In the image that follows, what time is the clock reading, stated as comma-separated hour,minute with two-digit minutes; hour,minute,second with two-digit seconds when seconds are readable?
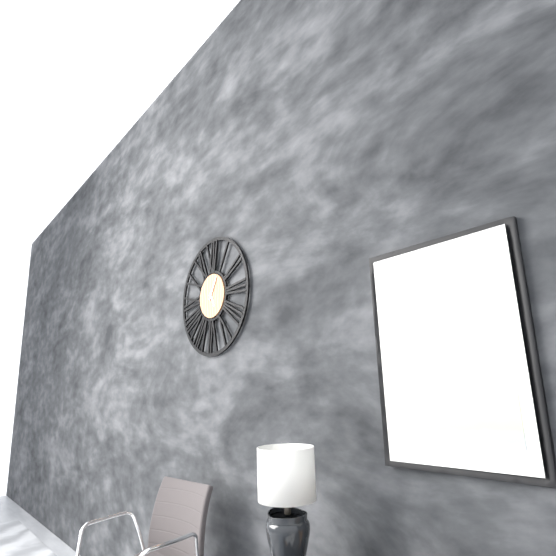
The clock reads 5,05
